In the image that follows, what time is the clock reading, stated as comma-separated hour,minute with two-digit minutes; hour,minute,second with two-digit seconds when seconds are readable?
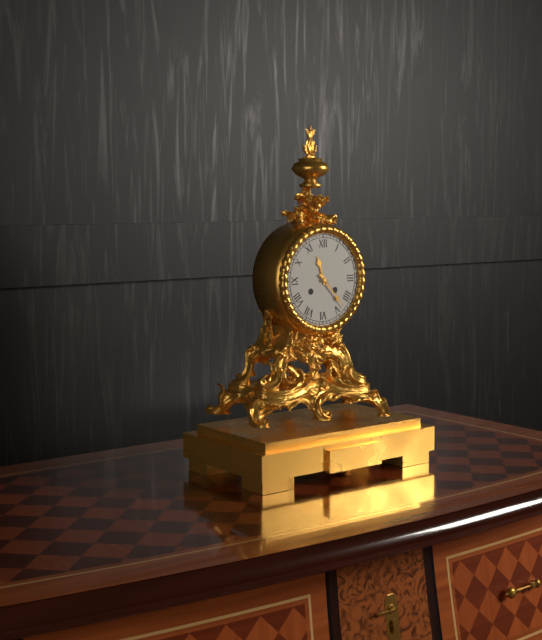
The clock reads 11,23
